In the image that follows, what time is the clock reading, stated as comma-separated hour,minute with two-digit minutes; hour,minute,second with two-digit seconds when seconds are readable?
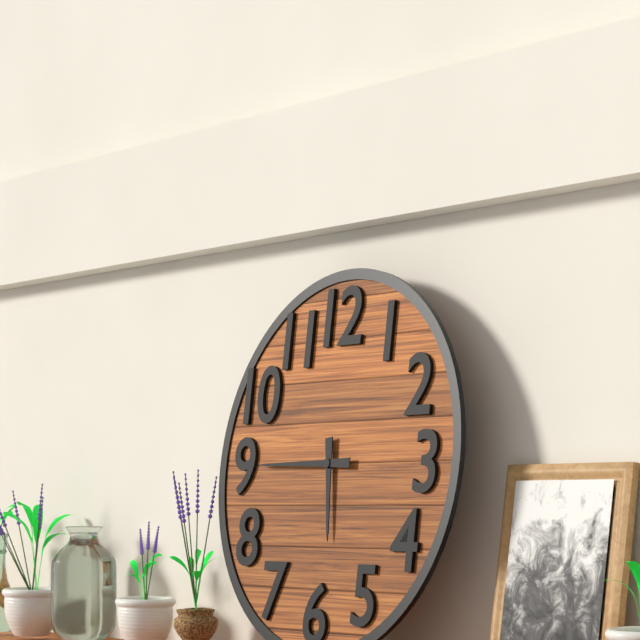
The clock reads 5,45
